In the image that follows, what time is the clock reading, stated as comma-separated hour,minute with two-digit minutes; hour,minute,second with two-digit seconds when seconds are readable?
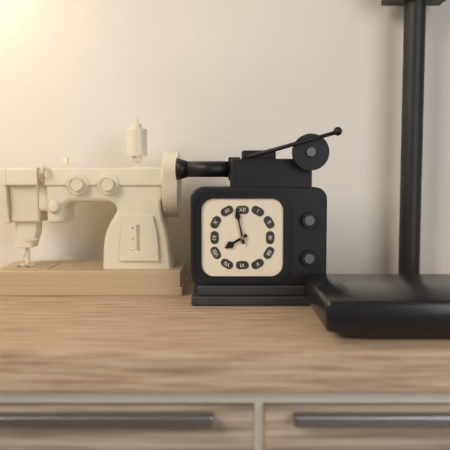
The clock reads 7,58
